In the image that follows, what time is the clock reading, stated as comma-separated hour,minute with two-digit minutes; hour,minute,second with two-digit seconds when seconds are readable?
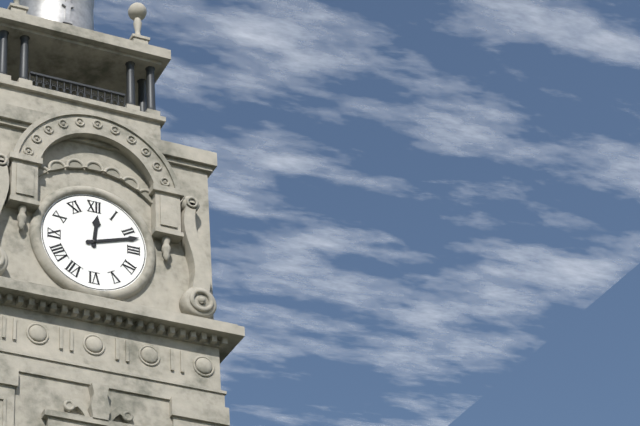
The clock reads 12,12
